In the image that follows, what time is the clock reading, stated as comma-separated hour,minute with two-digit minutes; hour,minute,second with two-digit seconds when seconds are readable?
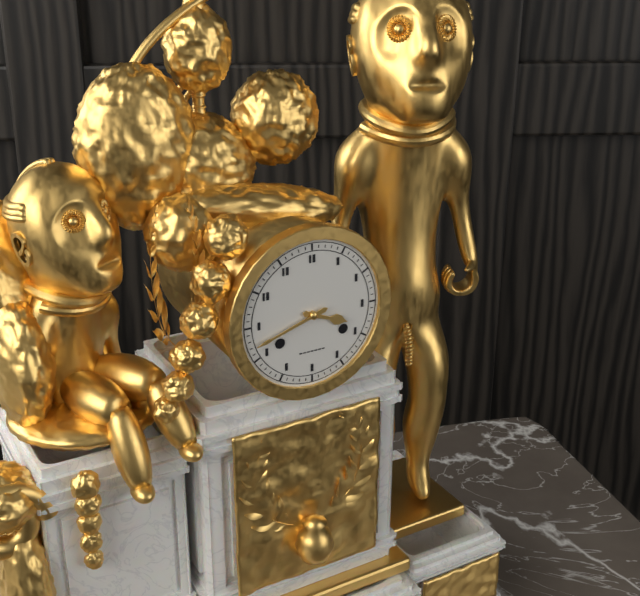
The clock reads 3,42
